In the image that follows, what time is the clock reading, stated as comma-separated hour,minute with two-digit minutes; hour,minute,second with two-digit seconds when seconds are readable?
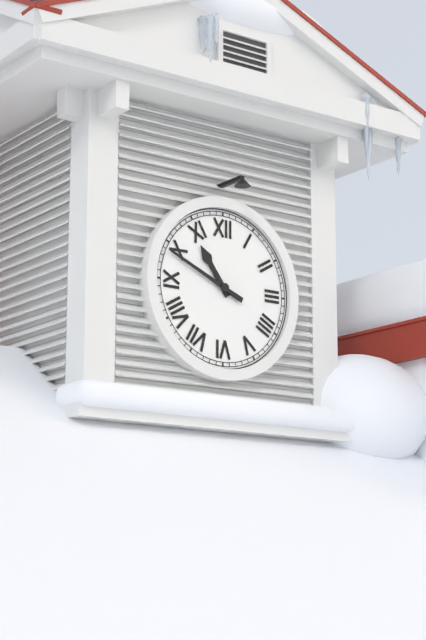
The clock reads 10,49
